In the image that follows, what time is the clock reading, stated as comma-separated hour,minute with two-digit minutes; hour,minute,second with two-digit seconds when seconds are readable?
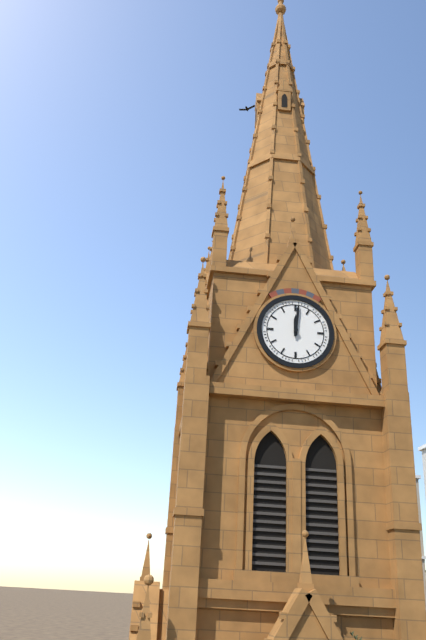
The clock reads 12,01
